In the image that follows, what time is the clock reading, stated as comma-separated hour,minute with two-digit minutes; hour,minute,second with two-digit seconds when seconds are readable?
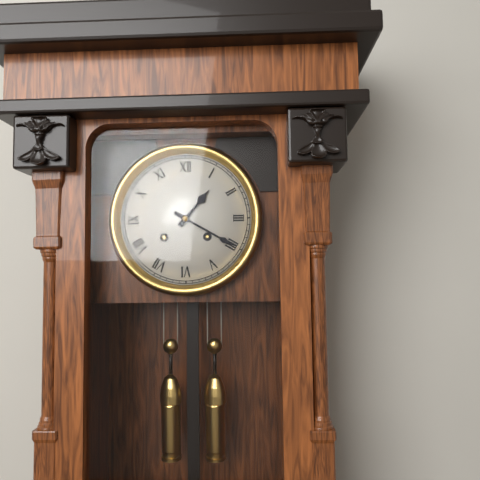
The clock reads 1,20
